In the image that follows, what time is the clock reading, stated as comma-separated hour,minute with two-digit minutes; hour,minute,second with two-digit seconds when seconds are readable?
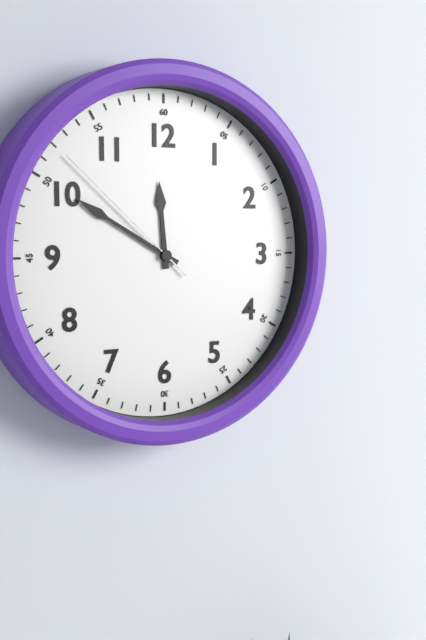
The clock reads 11,50,52
